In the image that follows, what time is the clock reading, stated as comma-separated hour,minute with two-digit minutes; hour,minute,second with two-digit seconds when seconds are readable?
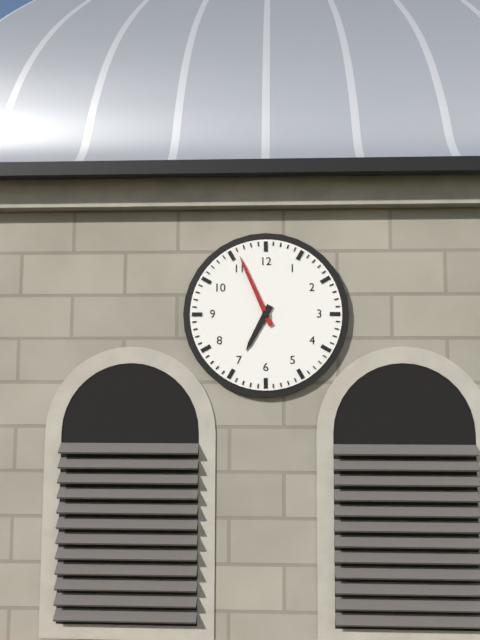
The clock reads 6,56
